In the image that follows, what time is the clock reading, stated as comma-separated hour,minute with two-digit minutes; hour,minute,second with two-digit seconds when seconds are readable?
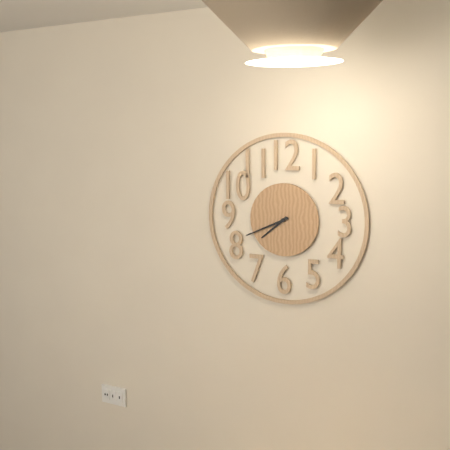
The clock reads 7,41
